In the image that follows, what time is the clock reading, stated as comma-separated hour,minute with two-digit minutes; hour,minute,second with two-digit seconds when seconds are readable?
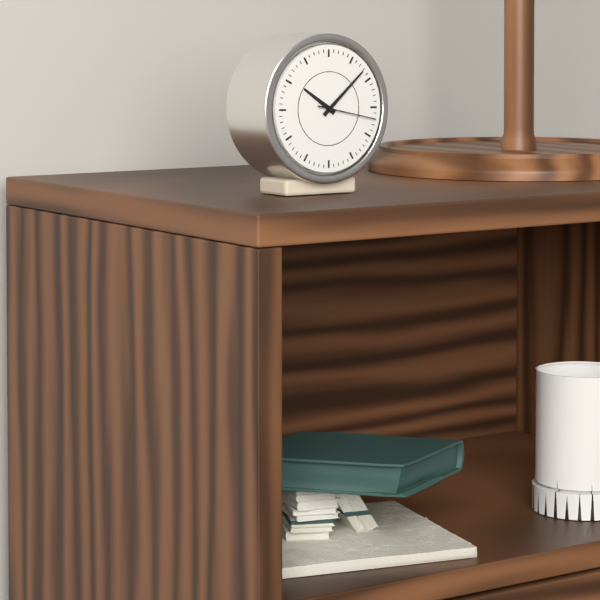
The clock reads 10,08,17
